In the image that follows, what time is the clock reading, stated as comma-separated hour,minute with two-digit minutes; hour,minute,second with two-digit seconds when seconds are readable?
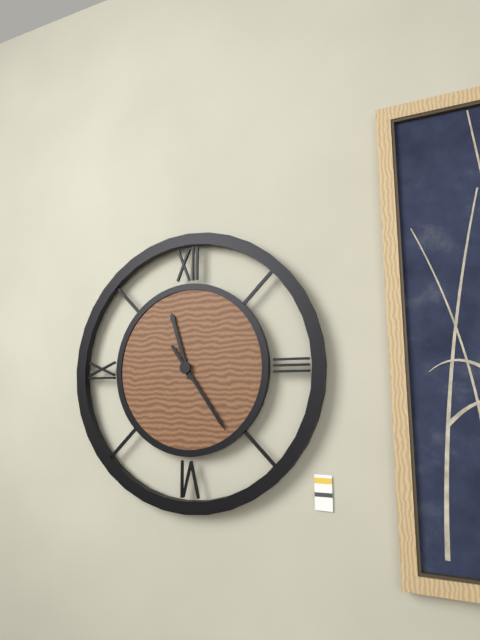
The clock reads 11,24
